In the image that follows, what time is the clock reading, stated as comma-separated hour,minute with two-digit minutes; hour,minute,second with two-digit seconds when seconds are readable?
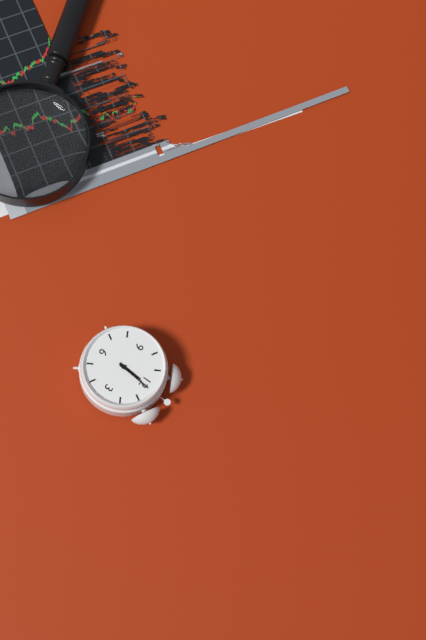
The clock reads 12,01
